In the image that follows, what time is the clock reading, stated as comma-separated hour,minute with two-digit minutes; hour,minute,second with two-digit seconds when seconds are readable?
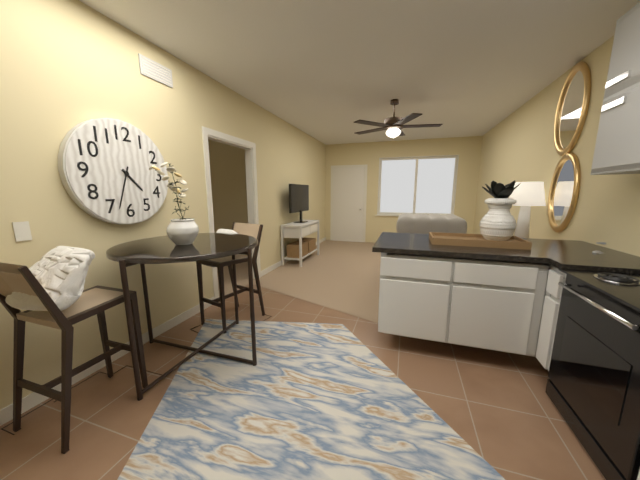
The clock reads 4,33
